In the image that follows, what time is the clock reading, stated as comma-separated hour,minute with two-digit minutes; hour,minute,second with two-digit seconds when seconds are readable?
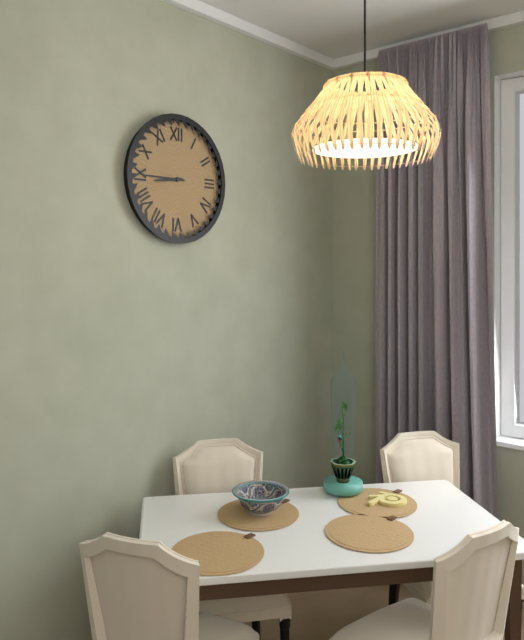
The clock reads 8,45
